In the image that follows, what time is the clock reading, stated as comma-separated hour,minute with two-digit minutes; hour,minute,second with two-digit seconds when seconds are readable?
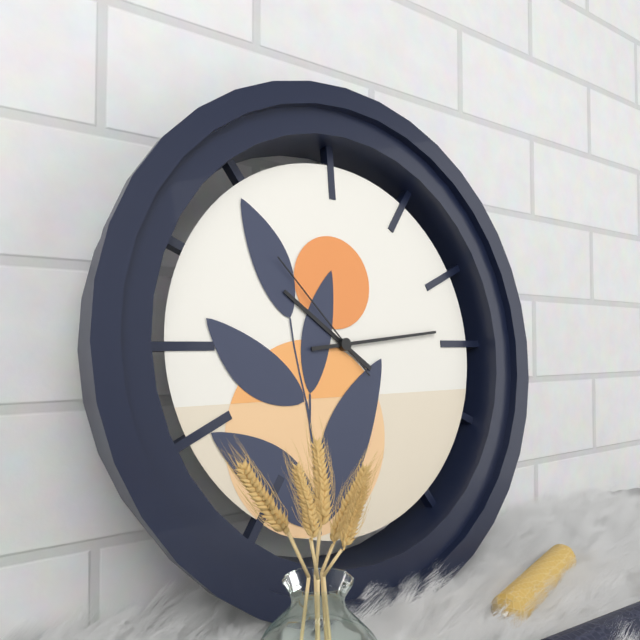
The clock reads 10,14,53
